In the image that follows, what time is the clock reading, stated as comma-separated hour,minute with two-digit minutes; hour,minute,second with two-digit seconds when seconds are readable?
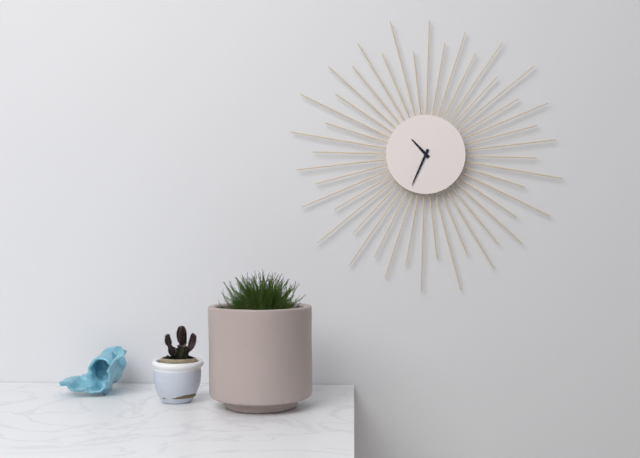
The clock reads 10,34
